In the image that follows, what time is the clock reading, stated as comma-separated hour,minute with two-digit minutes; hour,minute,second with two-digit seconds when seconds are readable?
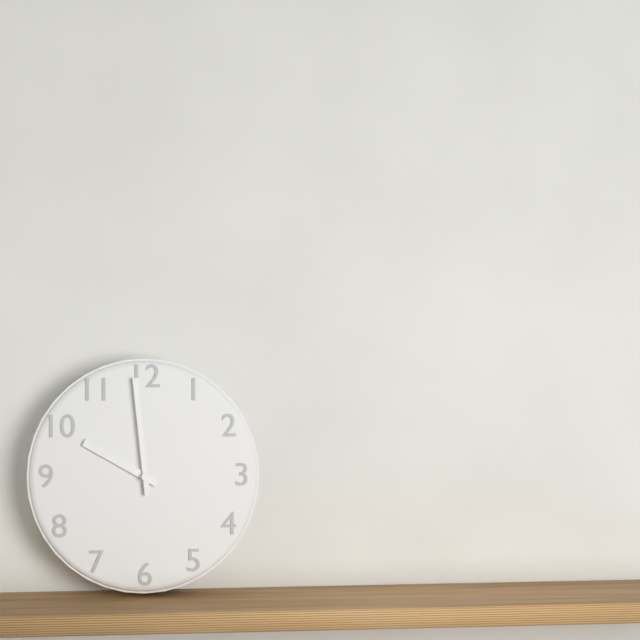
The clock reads 9,59
